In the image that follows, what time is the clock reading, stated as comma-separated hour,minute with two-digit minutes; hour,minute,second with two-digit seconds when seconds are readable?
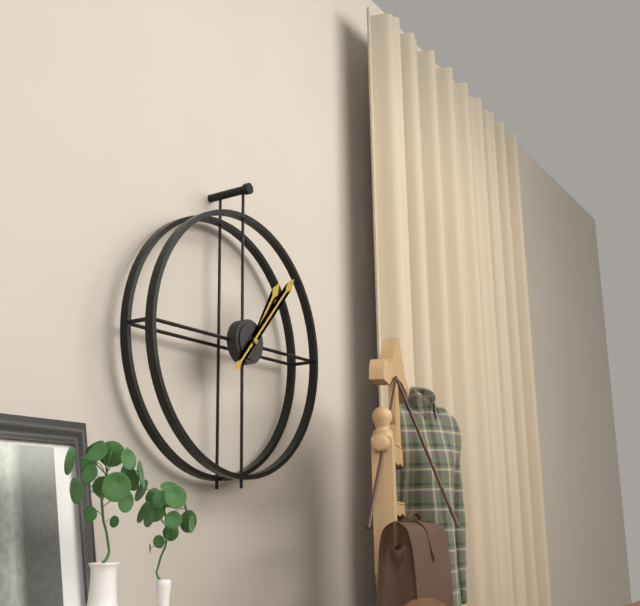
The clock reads 1,07
